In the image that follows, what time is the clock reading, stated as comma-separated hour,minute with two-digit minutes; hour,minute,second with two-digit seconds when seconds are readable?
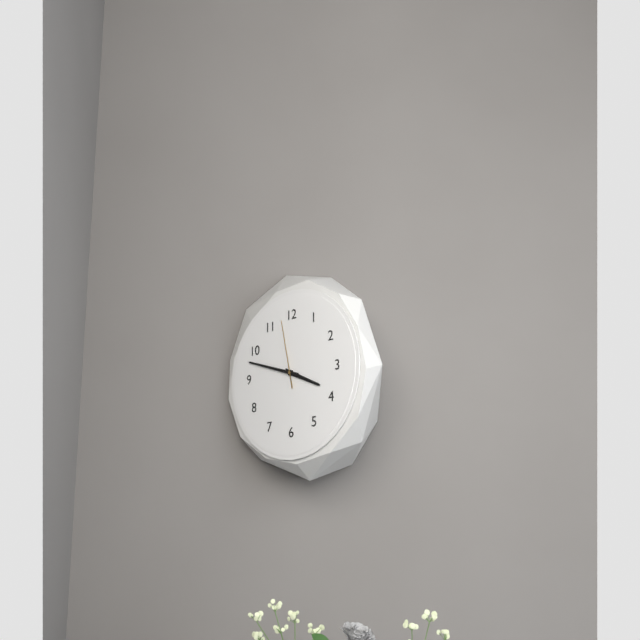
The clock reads 3,48,58
